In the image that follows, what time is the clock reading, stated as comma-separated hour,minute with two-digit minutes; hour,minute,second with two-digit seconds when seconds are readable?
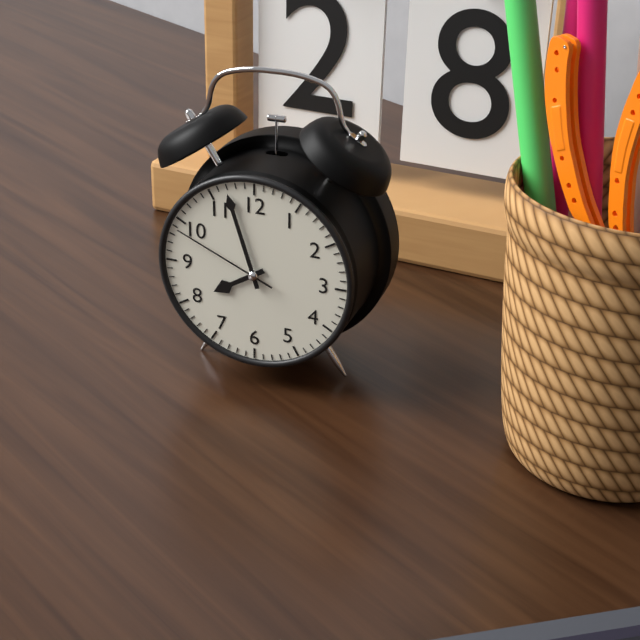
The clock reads 7,57,49
